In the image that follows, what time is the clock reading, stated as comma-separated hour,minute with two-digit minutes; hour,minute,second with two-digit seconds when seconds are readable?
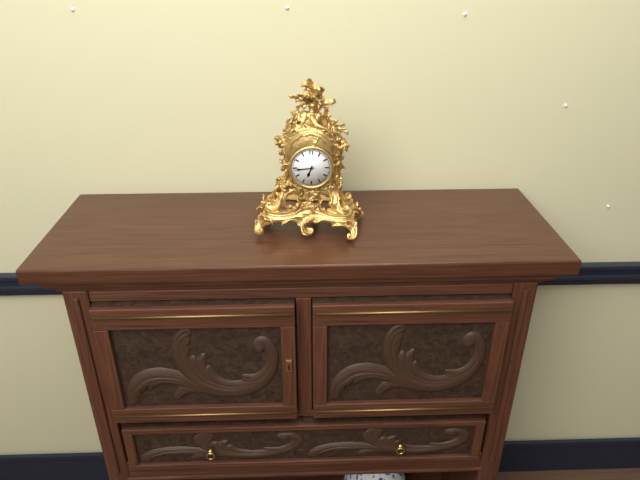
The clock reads 6,44
